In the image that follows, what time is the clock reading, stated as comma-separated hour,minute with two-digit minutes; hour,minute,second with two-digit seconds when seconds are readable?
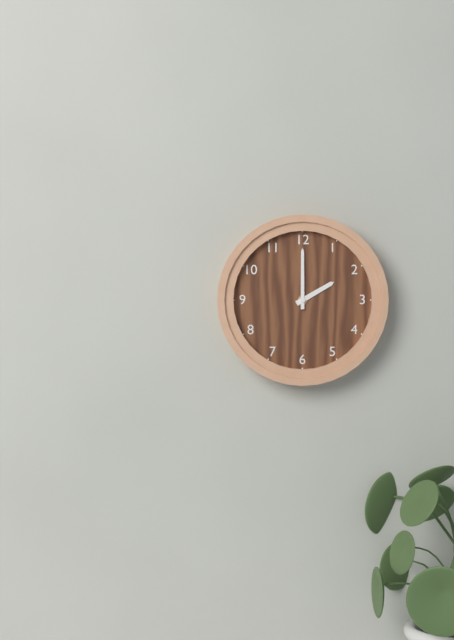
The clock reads 2,00
